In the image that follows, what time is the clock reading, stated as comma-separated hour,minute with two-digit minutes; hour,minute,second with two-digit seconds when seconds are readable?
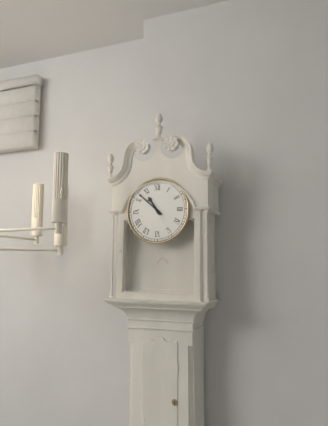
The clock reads 10,52
